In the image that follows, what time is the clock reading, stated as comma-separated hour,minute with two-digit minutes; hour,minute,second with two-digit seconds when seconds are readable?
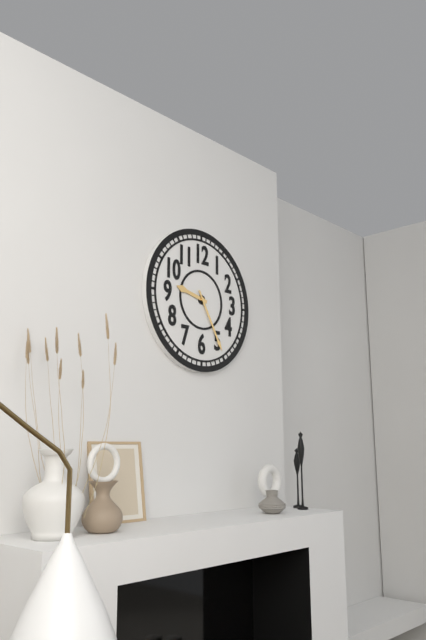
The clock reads 9,25
